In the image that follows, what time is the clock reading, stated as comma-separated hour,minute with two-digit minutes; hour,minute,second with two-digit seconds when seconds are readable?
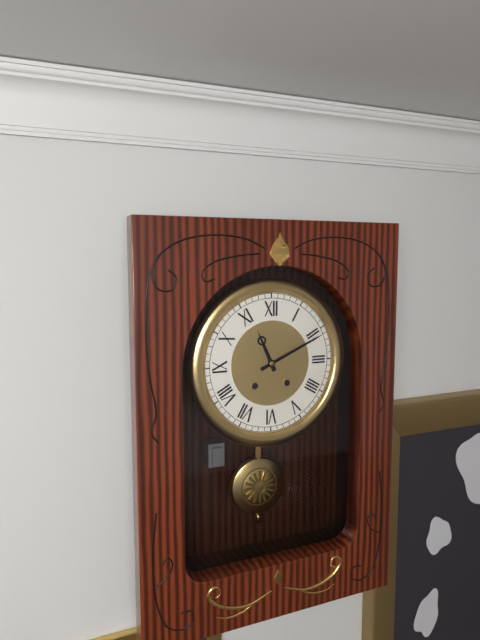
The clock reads 11,11
